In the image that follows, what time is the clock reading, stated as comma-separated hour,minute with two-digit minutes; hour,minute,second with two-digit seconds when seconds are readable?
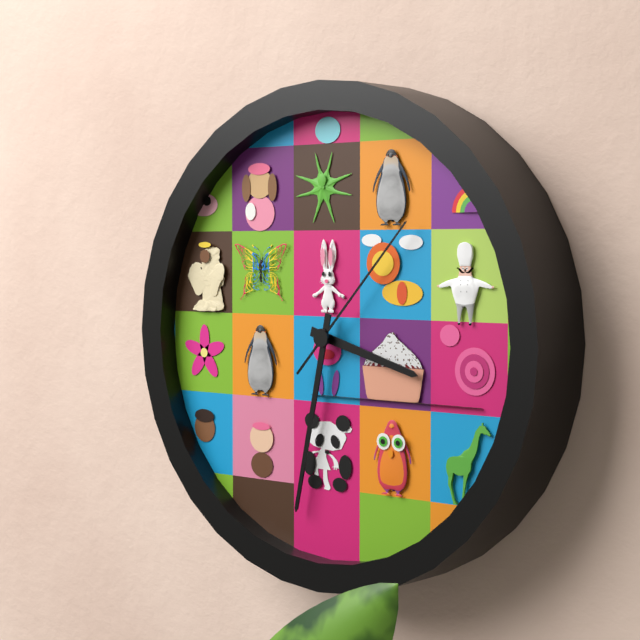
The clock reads 3,32,07
